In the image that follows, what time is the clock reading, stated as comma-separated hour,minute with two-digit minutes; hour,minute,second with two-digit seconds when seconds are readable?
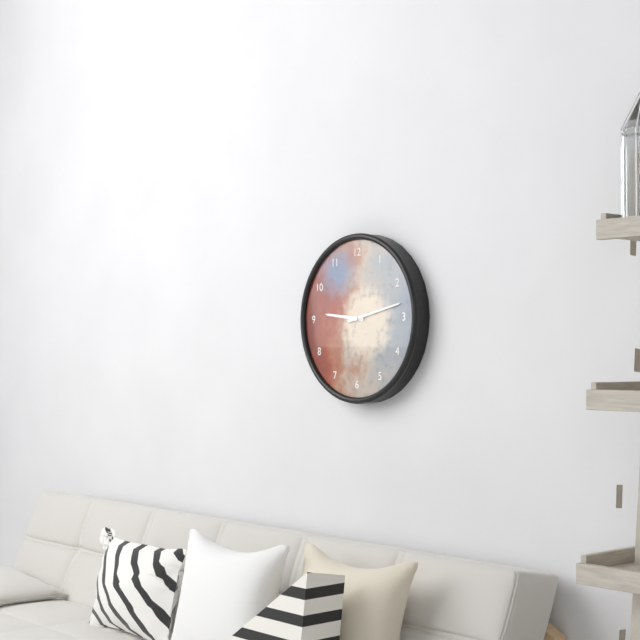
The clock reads 9,13
